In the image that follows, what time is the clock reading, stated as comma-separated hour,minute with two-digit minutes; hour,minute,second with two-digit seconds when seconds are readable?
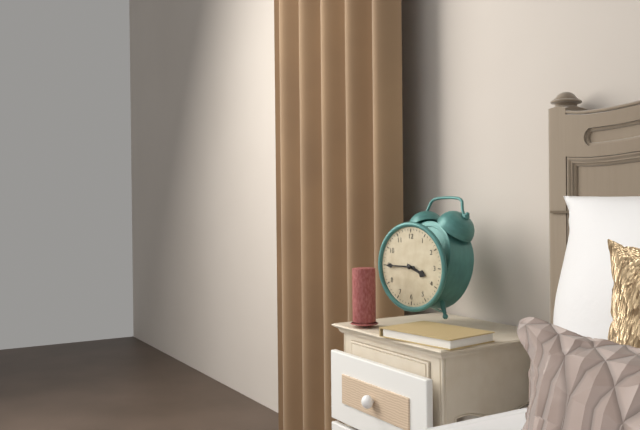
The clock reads 3,45
